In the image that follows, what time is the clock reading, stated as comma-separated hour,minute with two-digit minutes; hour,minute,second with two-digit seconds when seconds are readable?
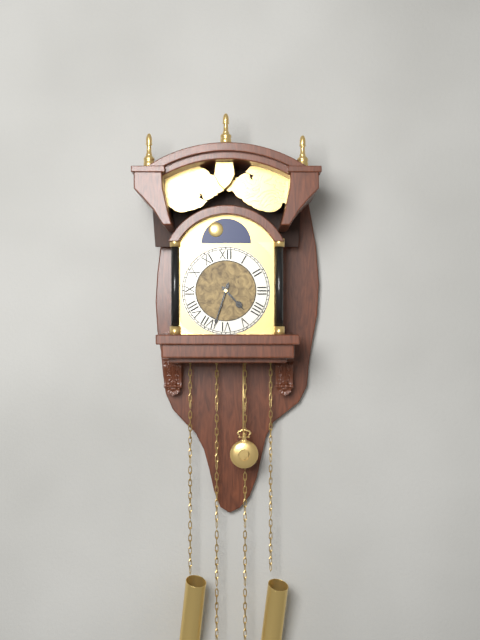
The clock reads 4,33
